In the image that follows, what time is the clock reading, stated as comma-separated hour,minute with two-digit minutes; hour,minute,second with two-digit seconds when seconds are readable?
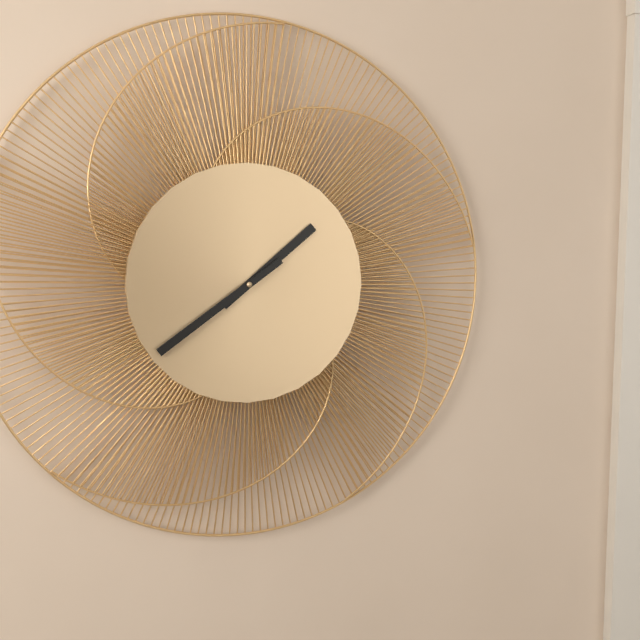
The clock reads 1,39
